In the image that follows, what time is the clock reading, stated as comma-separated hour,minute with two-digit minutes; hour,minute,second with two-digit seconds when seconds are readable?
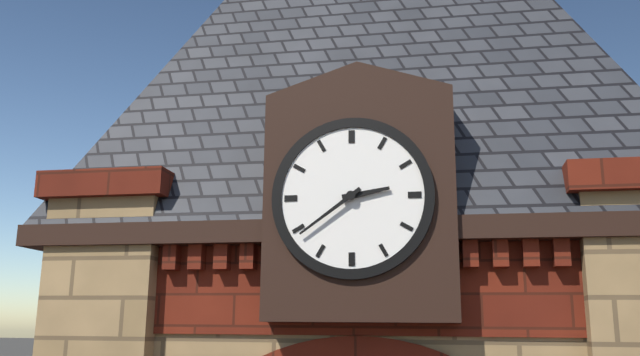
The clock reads 2,39
